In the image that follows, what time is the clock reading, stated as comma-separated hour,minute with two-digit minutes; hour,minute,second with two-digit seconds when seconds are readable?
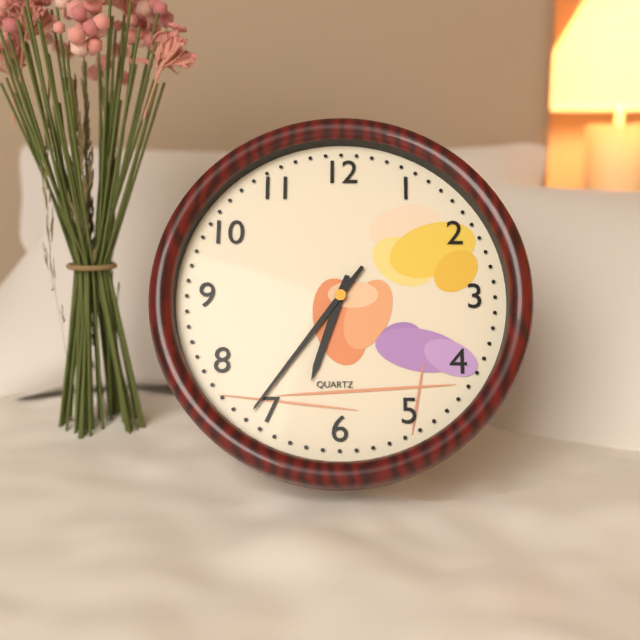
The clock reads 6,36
